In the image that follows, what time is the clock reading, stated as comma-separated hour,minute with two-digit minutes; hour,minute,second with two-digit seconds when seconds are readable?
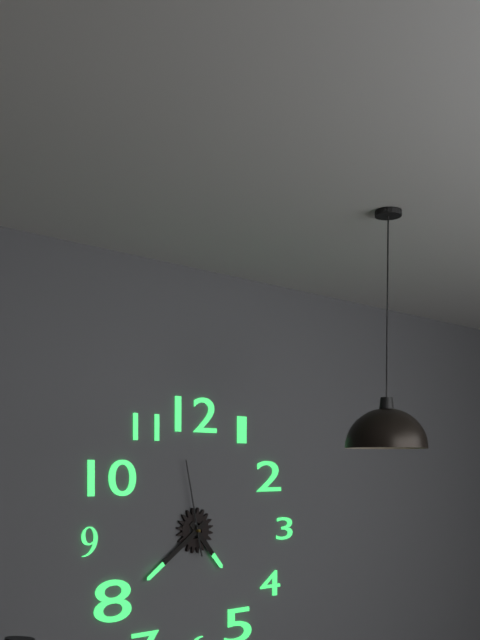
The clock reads 4,39,58
